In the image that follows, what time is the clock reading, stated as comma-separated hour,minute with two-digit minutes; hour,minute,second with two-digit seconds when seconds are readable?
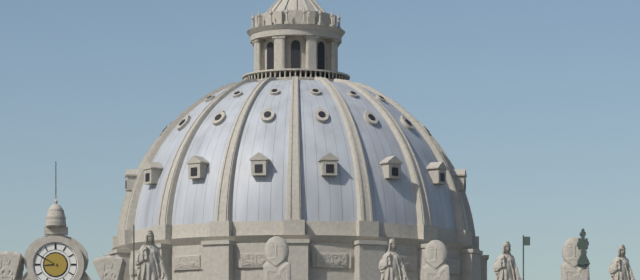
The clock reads 8,50
